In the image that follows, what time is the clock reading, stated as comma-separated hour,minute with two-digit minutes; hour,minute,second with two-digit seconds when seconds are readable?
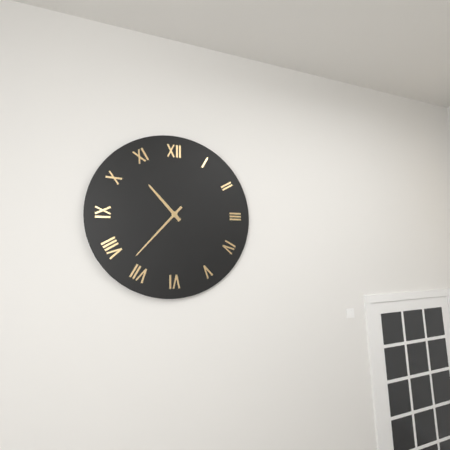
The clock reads 10,37
